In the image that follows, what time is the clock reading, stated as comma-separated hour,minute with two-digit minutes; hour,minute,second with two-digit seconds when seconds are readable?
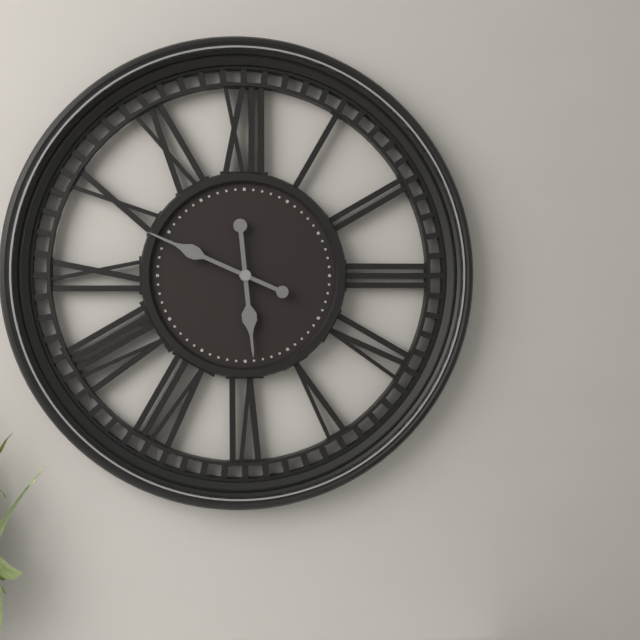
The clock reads 5,49
